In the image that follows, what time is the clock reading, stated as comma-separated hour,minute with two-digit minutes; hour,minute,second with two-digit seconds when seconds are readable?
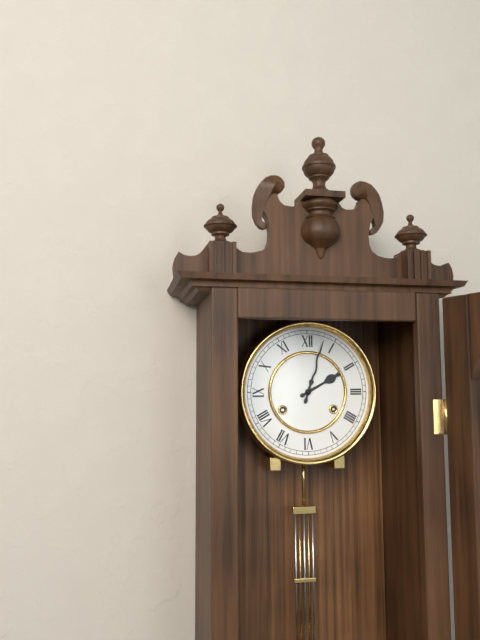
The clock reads 2,03
